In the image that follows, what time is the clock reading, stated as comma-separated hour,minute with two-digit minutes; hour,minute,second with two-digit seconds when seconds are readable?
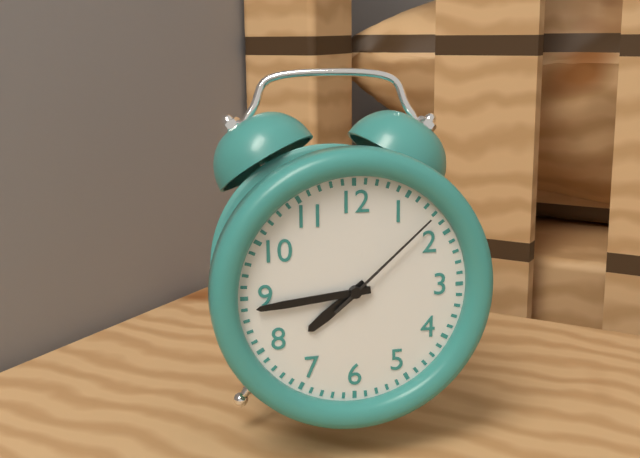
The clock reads 7,44,08
